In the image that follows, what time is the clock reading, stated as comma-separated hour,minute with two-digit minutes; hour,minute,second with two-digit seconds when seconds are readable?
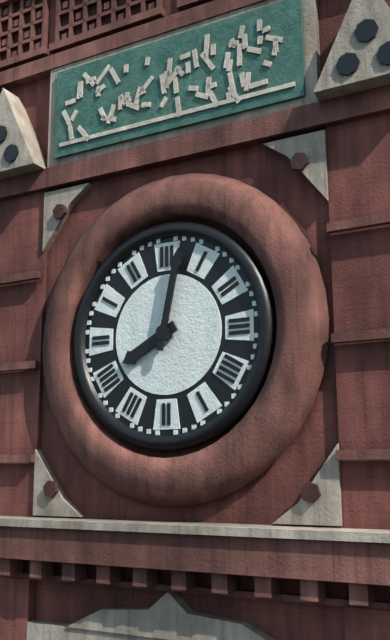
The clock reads 8,02
